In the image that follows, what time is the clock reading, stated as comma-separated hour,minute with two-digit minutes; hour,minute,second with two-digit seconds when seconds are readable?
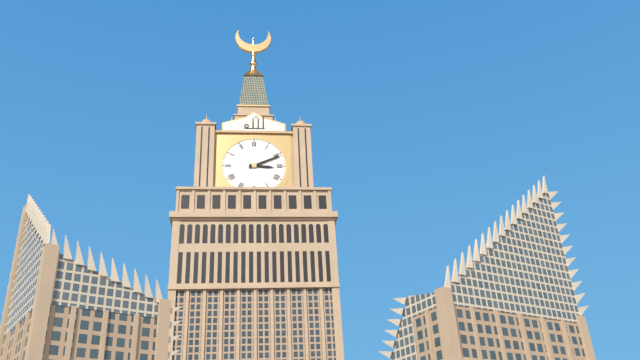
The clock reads 3,11
